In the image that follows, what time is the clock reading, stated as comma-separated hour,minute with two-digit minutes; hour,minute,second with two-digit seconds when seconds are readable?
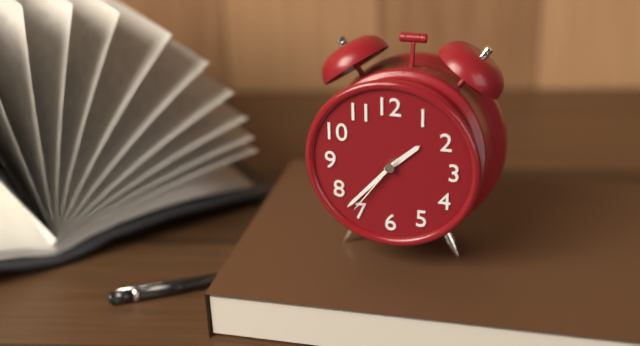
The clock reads 1,37,36
